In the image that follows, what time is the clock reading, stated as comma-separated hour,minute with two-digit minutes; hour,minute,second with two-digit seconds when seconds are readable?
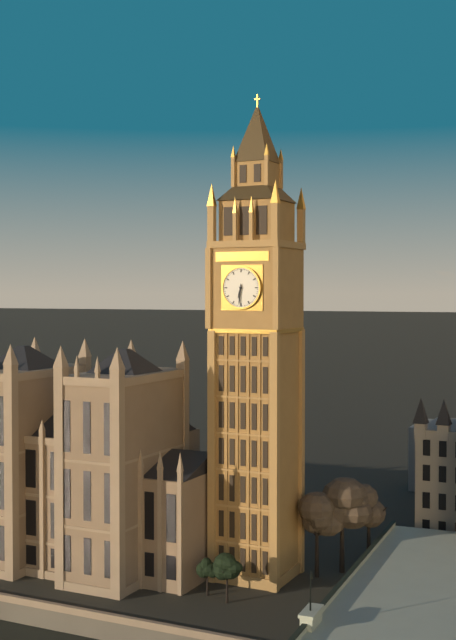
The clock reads 6,31
